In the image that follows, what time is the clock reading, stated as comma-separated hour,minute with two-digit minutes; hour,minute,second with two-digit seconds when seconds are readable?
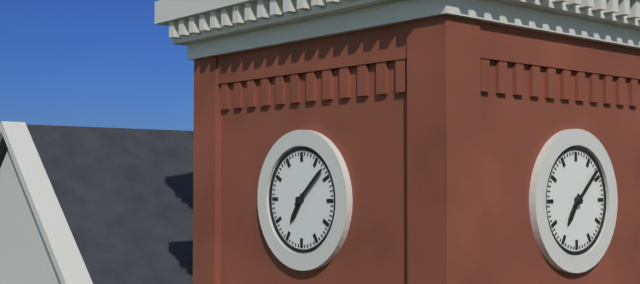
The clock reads 7,08
